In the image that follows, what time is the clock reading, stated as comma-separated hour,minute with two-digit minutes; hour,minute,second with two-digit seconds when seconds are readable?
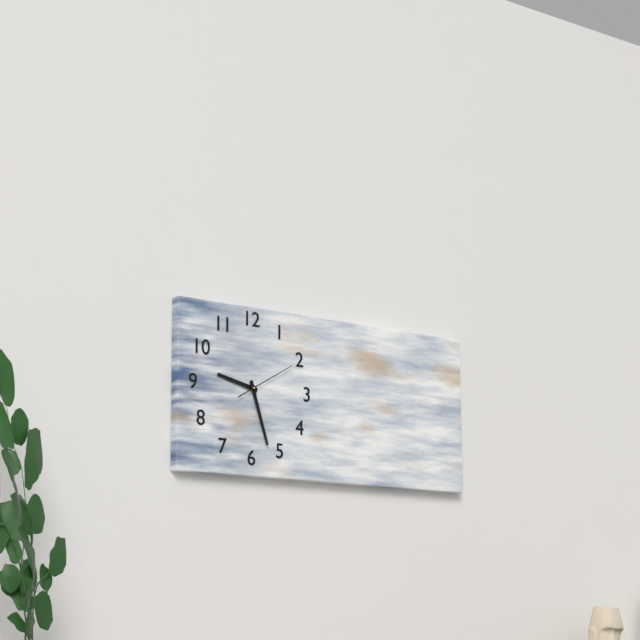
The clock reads 9,27,10
